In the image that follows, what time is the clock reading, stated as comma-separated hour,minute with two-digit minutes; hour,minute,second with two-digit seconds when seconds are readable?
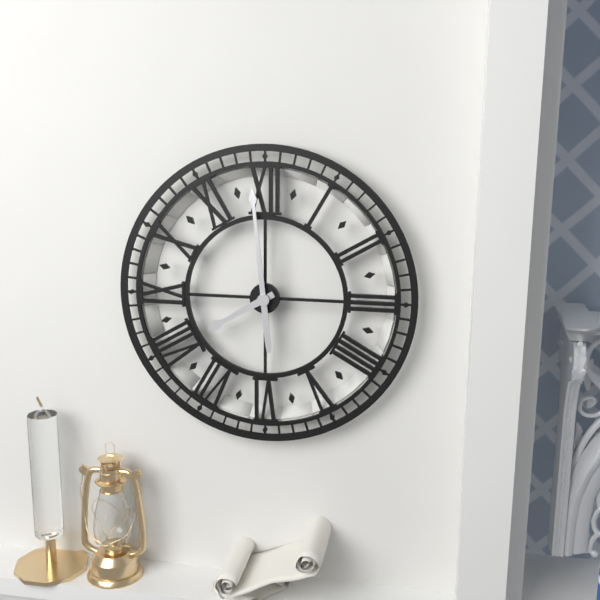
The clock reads 7,59
